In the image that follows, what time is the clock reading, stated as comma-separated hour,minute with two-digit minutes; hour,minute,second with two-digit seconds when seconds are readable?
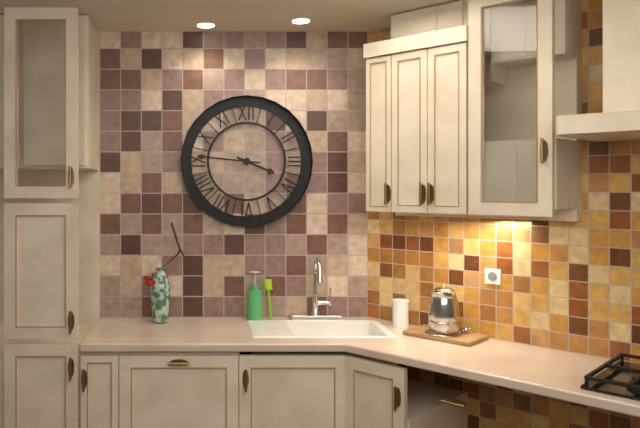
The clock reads 3,46
